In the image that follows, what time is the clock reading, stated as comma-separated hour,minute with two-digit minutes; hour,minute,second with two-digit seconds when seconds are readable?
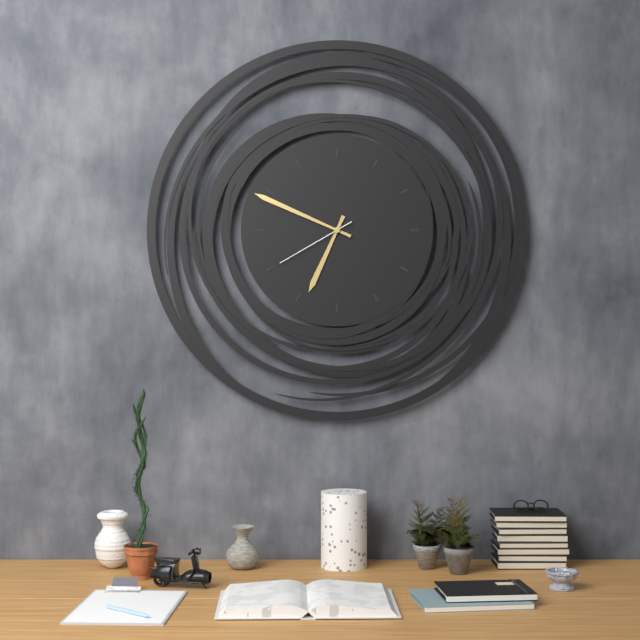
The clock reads 6,49,40
